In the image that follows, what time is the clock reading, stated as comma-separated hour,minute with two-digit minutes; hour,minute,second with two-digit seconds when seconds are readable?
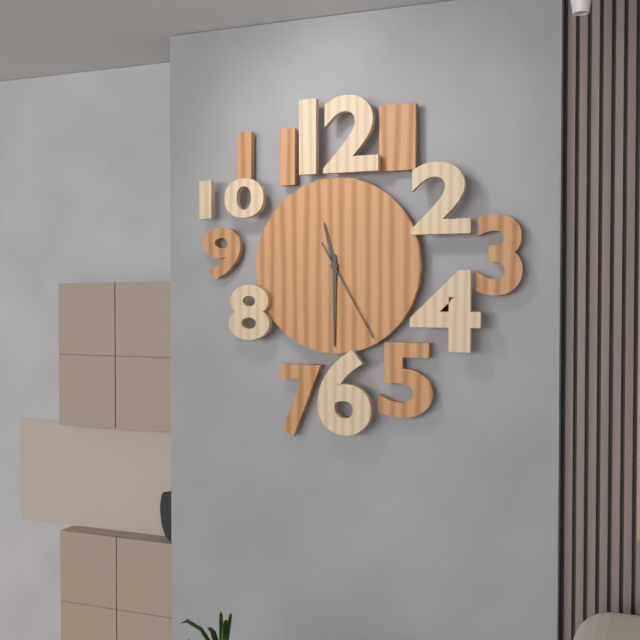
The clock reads 11,30,25
